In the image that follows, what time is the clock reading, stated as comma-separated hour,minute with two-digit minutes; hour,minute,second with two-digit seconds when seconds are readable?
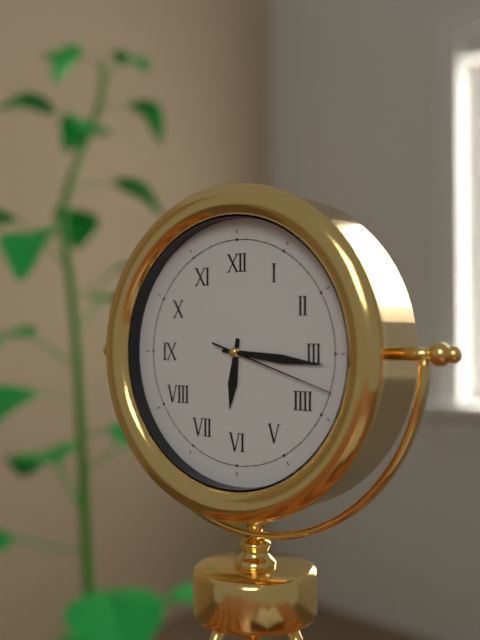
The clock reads 6,16,18
